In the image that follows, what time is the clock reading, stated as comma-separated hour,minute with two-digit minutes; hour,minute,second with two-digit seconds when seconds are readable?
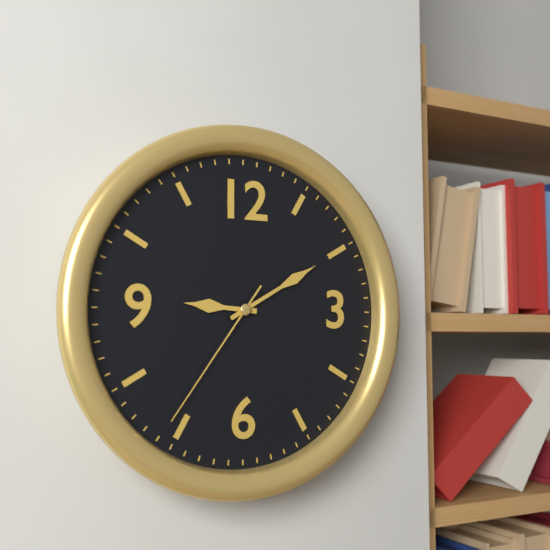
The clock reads 9,10,36
